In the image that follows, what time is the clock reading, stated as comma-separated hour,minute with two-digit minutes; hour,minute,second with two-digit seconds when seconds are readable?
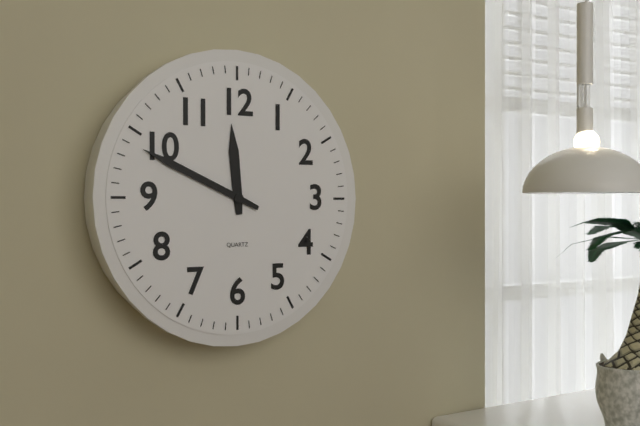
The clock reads 11,49
